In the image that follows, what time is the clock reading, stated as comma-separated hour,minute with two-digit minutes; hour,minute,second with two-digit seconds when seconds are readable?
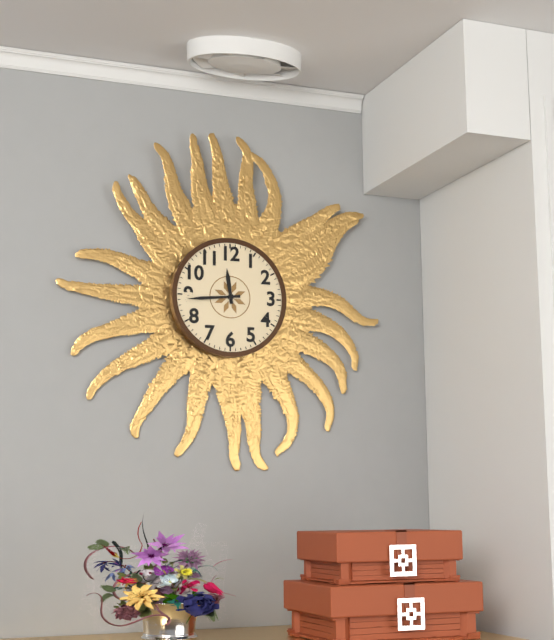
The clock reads 11,44
